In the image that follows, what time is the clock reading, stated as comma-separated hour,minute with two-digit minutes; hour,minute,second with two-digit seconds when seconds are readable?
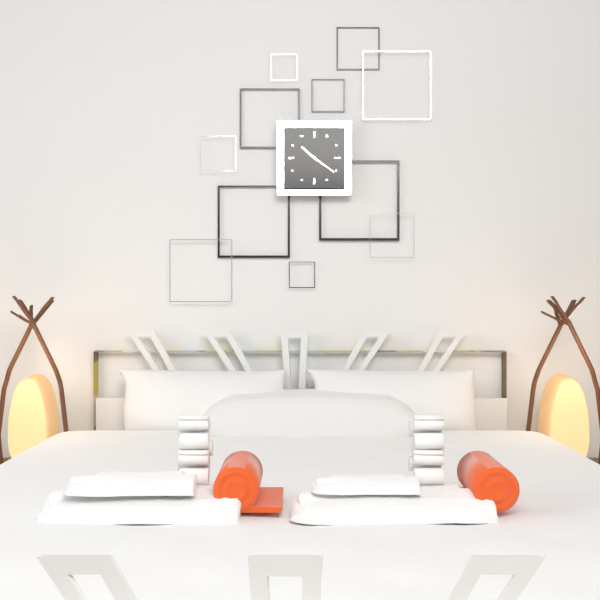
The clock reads 10,21
